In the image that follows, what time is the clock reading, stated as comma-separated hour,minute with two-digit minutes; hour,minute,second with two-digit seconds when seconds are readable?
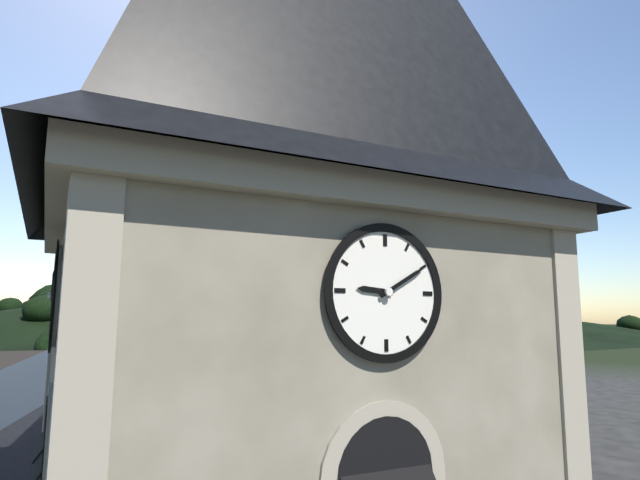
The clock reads 9,10
